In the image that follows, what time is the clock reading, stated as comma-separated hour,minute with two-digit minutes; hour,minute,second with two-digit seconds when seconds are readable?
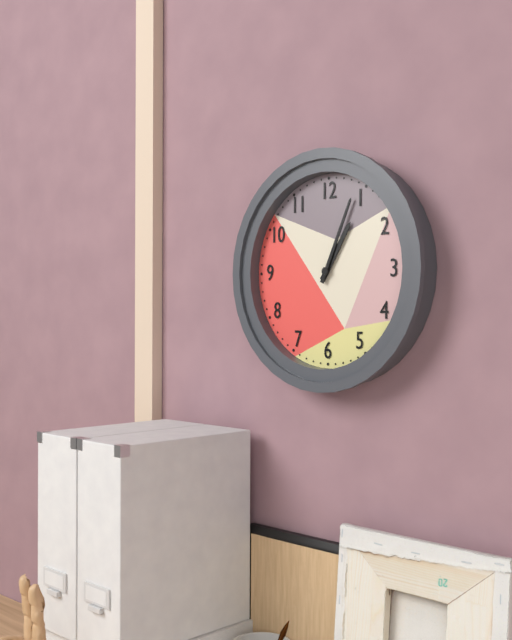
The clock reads 1,04
